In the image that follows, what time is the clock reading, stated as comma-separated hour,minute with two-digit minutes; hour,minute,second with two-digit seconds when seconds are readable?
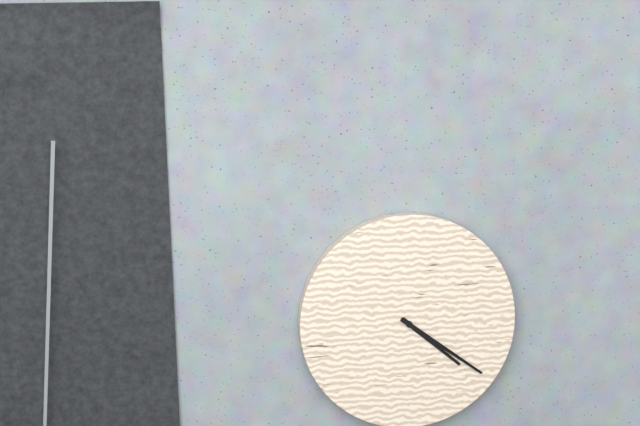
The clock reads 4,21
